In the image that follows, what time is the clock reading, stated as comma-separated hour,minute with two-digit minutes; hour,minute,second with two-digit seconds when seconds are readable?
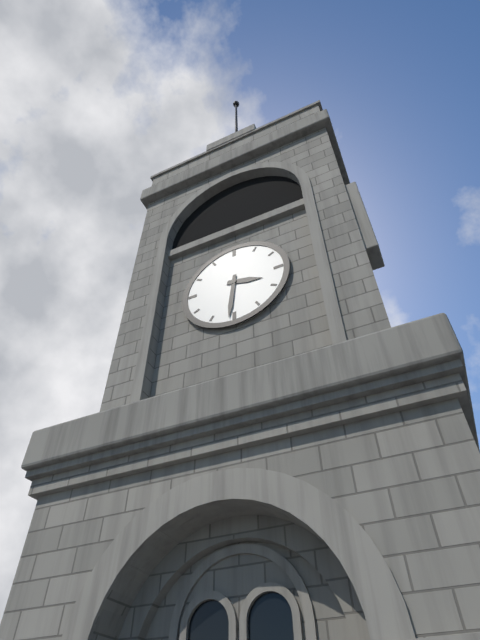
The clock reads 3,31
